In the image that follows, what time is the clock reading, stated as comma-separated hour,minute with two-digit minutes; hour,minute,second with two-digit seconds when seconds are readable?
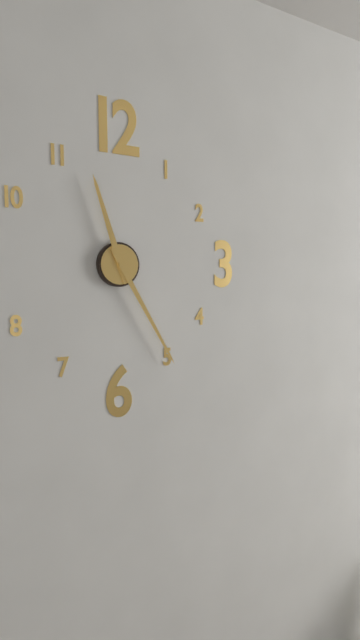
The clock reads 11,25
